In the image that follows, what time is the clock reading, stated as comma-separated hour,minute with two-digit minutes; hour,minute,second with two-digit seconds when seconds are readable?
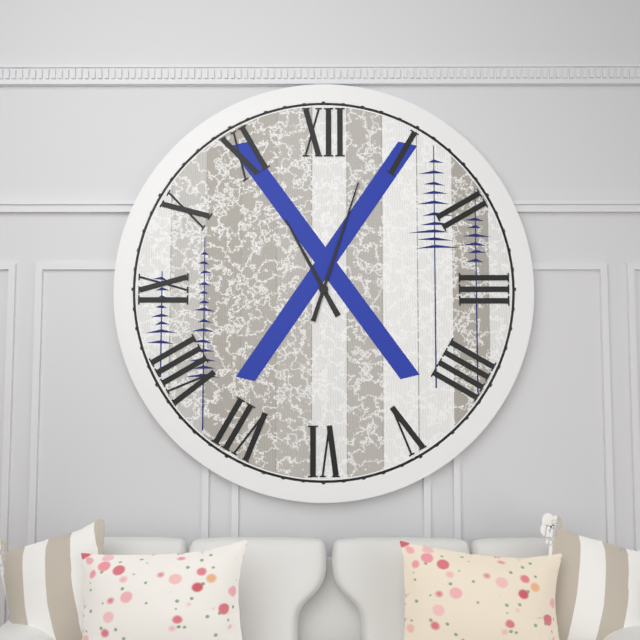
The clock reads 11,03
